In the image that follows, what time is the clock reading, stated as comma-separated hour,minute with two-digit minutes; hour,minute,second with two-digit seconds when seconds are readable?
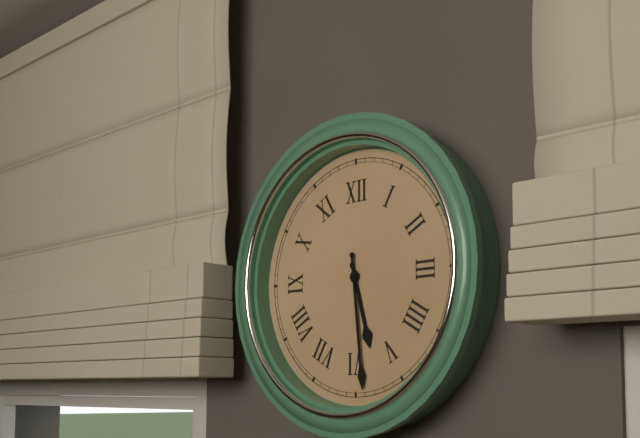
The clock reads 5,29
